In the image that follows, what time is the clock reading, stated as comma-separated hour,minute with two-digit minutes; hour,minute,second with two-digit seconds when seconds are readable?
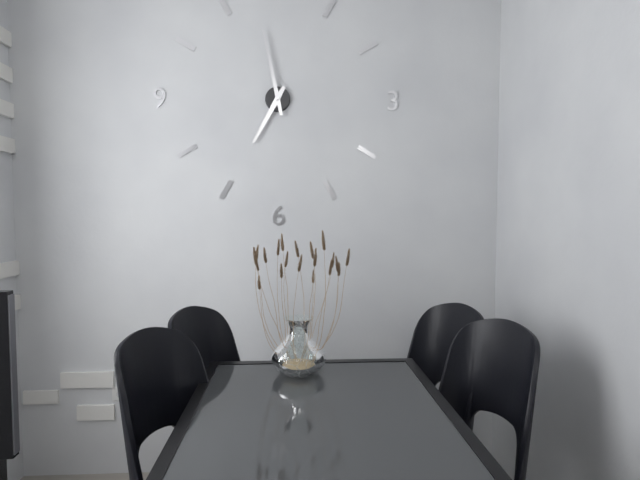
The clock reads 6,58
